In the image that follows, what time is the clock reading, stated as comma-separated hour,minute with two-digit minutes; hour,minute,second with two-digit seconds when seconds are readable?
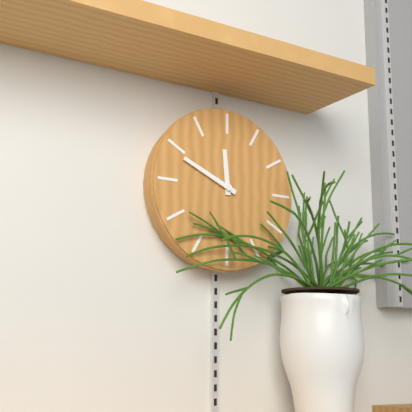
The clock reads 11,49
